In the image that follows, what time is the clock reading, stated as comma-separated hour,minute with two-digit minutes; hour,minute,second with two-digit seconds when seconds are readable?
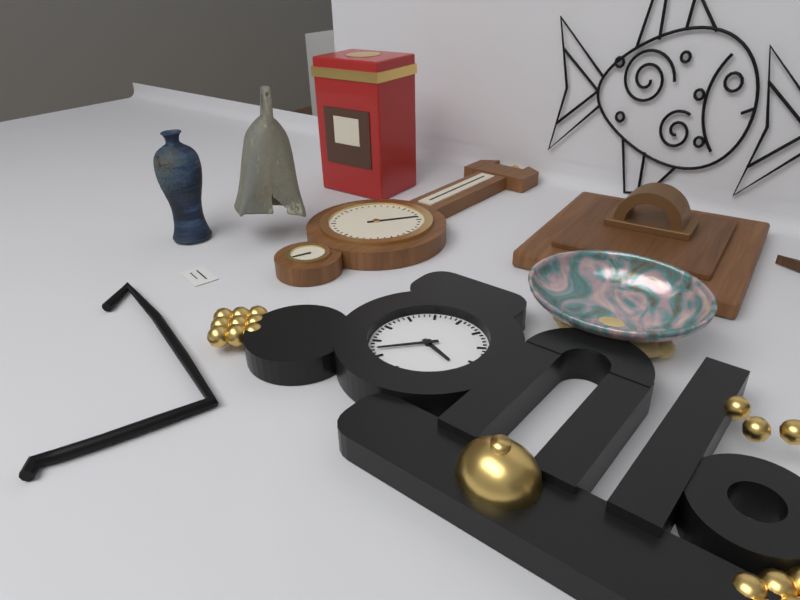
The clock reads 3,37
